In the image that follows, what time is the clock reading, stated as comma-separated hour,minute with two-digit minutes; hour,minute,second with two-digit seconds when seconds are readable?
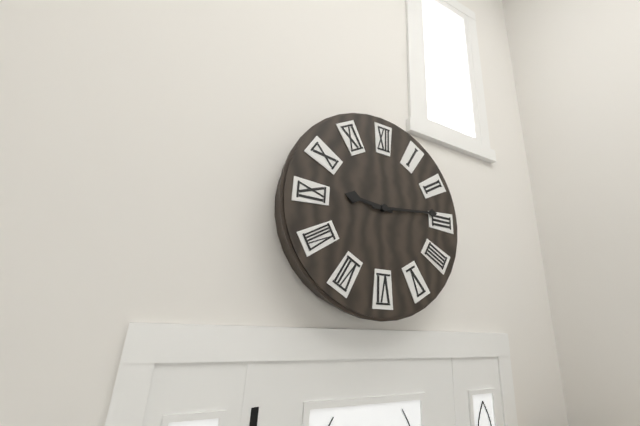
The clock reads 9,14
